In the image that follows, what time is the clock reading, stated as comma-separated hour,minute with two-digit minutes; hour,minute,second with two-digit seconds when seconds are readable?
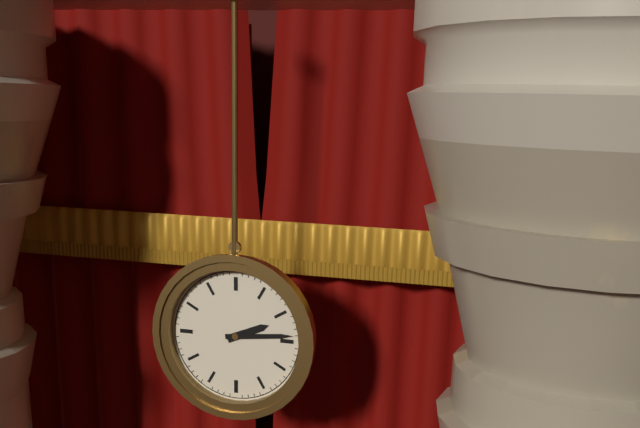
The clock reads 2,14
